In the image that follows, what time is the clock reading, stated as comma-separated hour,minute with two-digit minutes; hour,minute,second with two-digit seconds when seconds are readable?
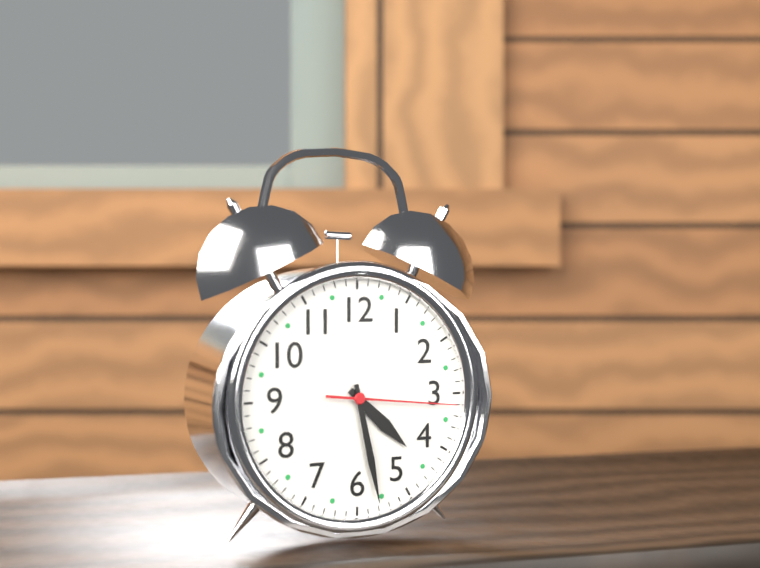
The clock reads 4,28,16
